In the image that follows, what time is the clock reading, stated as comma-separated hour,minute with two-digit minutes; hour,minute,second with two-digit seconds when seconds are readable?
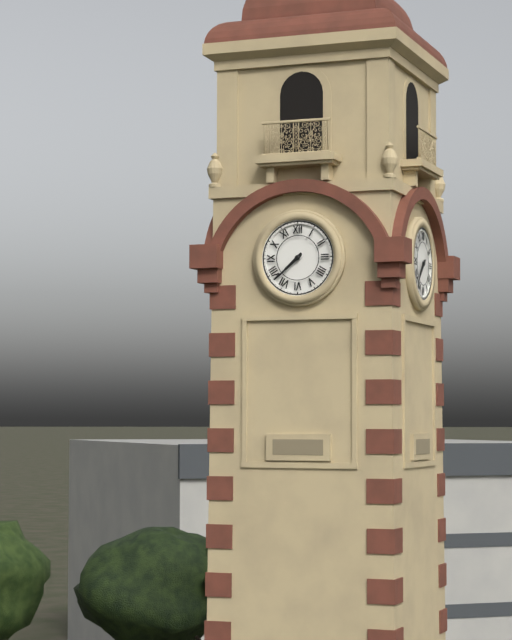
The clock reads 7,38
